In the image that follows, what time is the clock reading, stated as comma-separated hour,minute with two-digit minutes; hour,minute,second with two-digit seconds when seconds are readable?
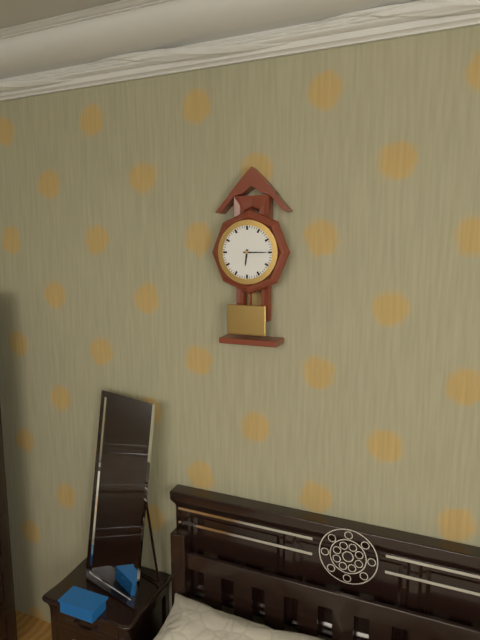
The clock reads 6,15
